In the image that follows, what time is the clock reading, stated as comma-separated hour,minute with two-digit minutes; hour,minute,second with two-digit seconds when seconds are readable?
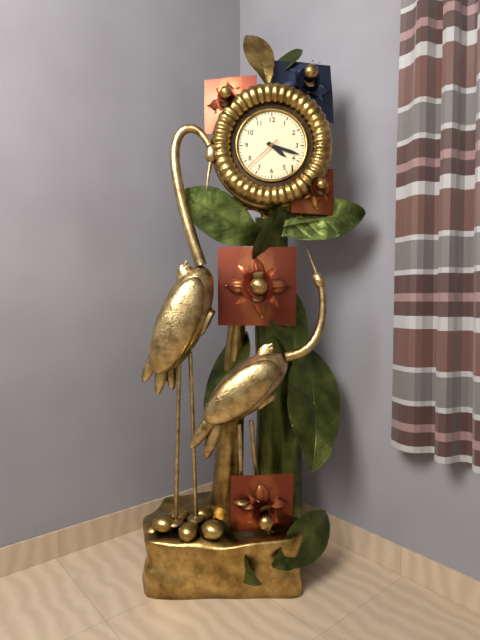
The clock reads 4,18
